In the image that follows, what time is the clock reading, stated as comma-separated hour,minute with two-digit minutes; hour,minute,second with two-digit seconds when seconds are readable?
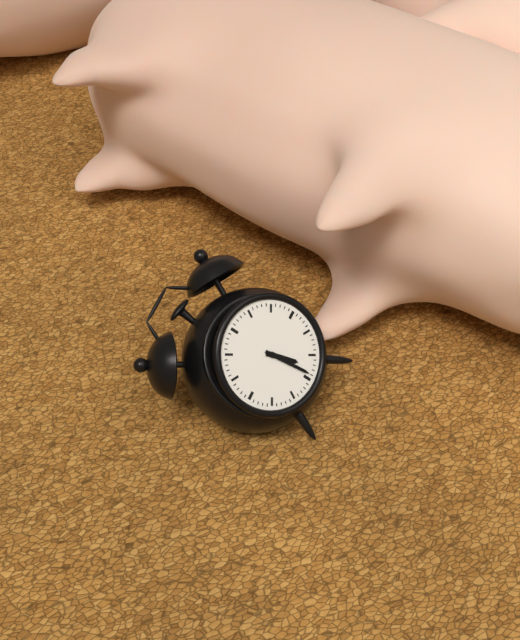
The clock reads 5,29
